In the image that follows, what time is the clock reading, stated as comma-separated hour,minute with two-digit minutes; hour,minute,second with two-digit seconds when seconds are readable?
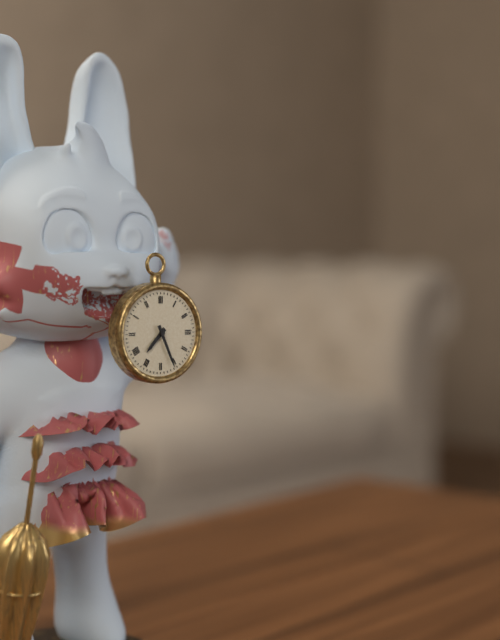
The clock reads 7,26
